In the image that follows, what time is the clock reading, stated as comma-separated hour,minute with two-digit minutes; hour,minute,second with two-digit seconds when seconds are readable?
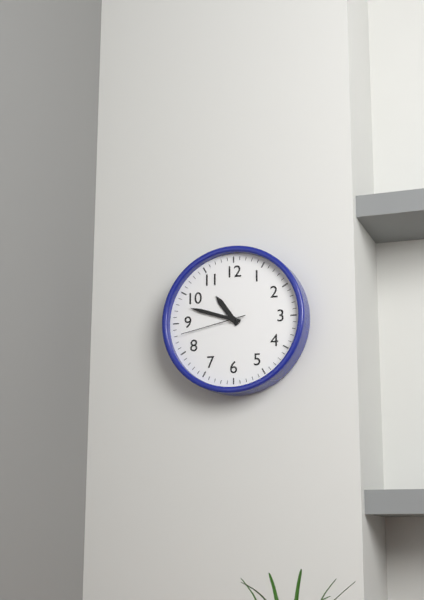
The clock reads 10,48,43
